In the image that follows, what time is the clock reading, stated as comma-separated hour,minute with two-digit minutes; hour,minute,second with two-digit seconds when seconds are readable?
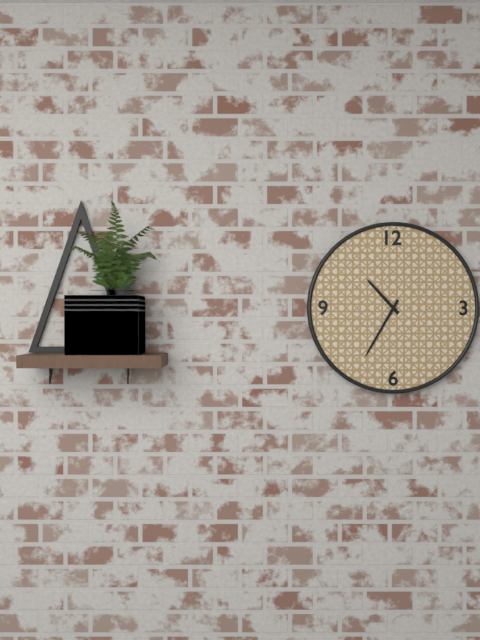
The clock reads 10,35
